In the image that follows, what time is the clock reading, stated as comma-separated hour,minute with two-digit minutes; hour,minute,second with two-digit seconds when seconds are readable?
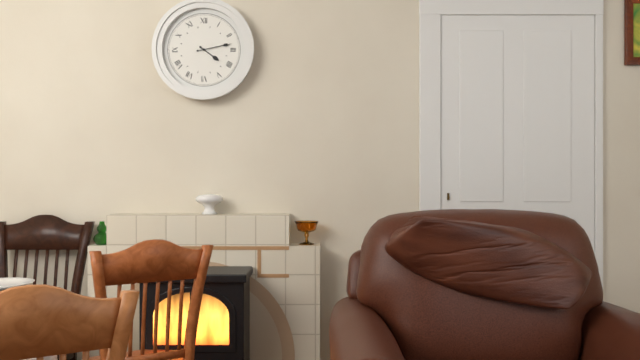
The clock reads 4,13
